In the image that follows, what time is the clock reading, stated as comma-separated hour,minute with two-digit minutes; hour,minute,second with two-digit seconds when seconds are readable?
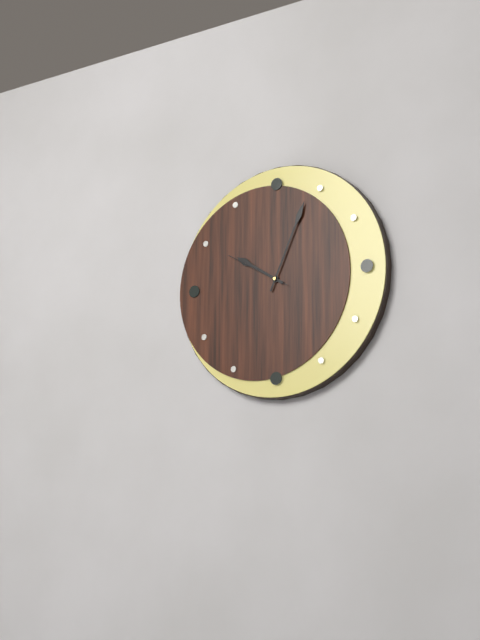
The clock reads 10,04,50
